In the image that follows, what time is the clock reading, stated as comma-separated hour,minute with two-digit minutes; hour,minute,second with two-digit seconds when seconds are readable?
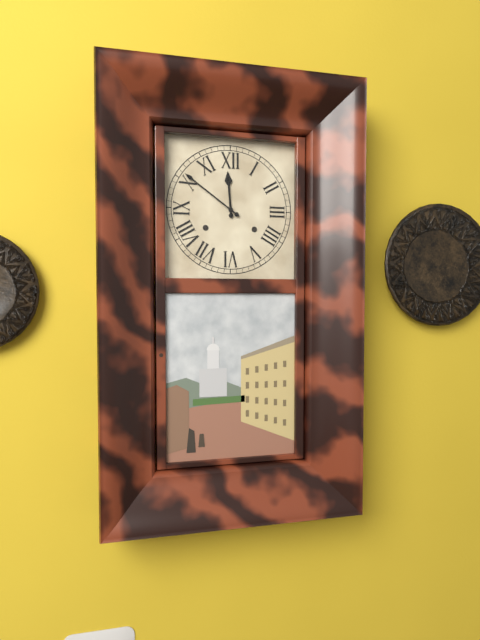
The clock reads 11,51
